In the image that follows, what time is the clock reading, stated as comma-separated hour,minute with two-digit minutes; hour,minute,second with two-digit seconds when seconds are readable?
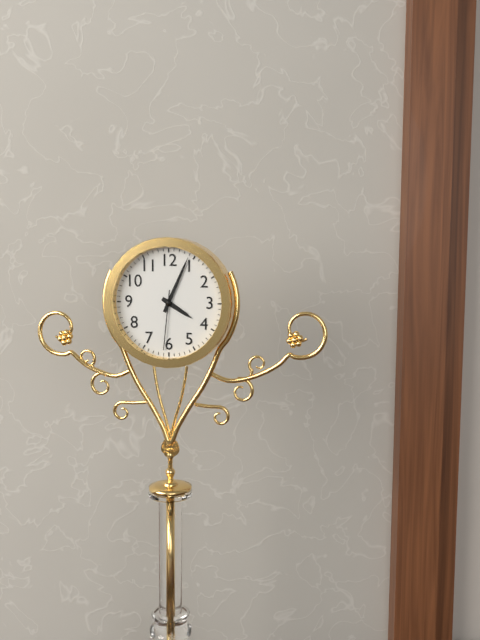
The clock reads 4,04,31
